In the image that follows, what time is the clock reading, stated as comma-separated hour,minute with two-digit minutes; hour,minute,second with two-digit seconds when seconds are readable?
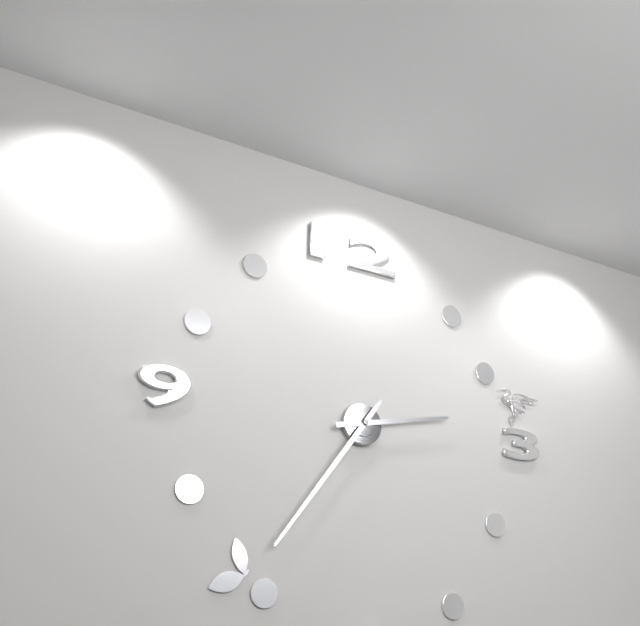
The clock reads 2,36
